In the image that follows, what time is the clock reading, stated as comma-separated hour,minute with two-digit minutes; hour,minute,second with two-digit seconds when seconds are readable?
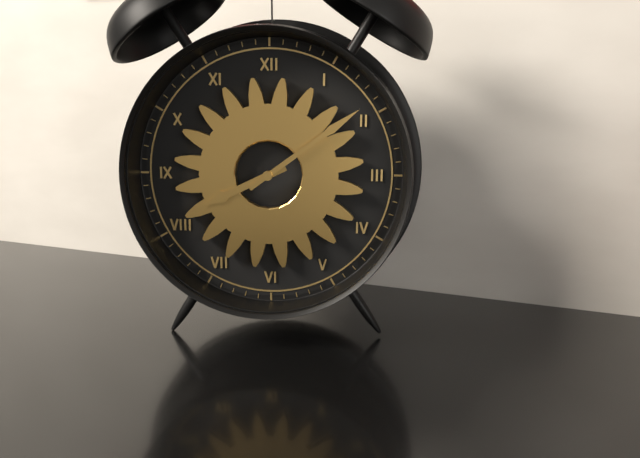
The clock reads 8,09
